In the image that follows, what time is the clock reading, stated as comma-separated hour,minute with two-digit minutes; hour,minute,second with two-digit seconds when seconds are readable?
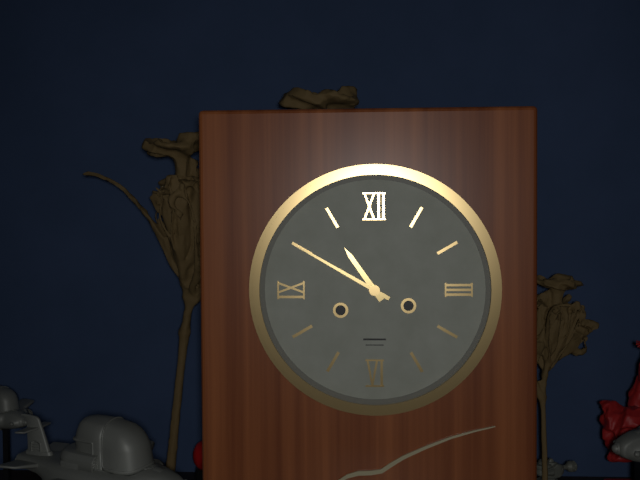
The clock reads 10,50
